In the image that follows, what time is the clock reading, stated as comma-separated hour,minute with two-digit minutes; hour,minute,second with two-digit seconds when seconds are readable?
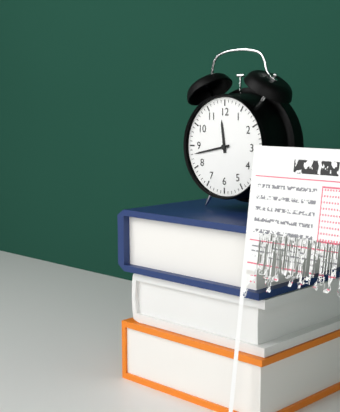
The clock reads 11,43
